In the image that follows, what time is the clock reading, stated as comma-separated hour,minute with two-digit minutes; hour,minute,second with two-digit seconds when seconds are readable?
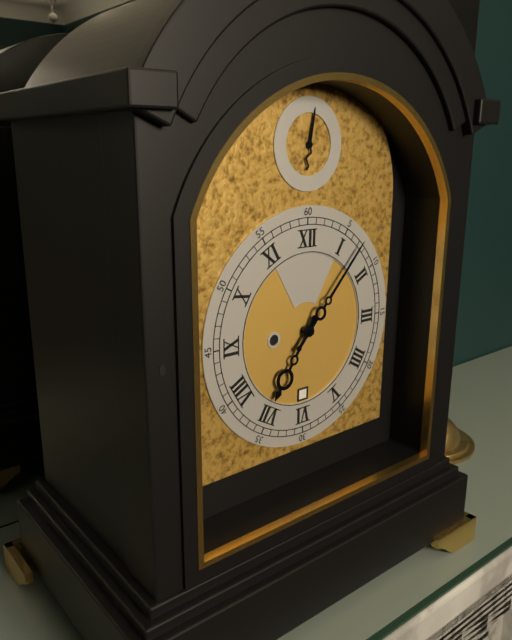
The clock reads 7,07
